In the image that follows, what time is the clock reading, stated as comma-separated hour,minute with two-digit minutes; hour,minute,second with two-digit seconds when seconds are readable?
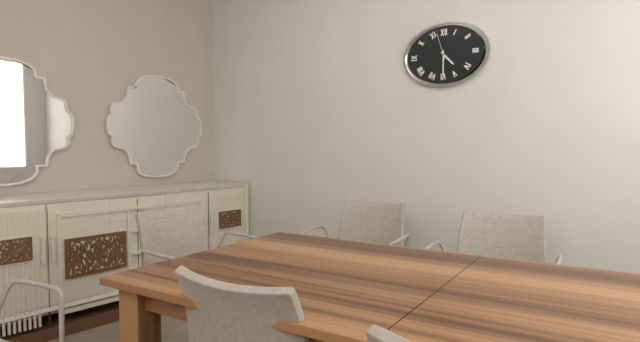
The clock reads 4,30
